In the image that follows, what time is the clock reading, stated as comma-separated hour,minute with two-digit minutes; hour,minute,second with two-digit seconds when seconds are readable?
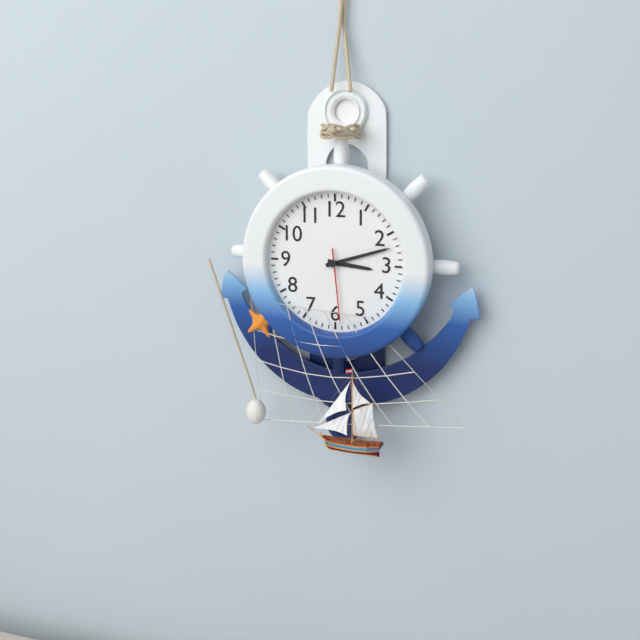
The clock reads 3,12,29
